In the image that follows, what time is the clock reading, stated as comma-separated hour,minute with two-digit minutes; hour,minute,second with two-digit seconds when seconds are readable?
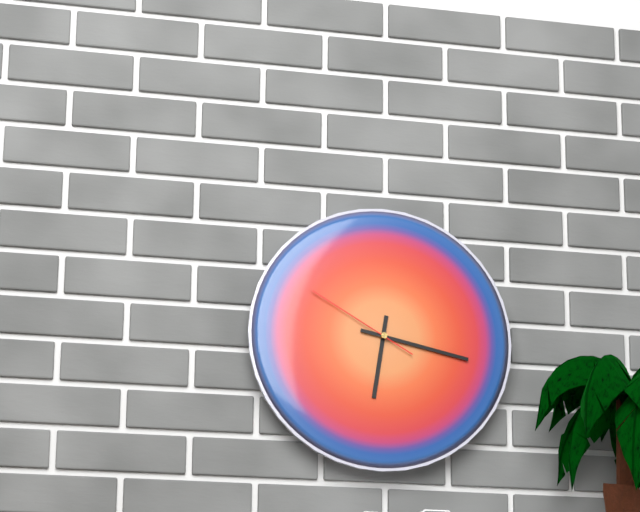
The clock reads 6,17,50
